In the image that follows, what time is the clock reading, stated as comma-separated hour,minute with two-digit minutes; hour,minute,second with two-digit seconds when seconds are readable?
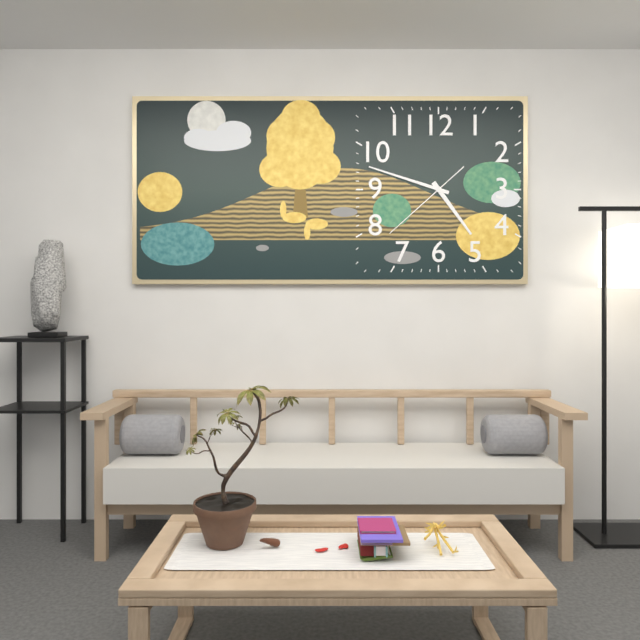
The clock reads 4,48,38
